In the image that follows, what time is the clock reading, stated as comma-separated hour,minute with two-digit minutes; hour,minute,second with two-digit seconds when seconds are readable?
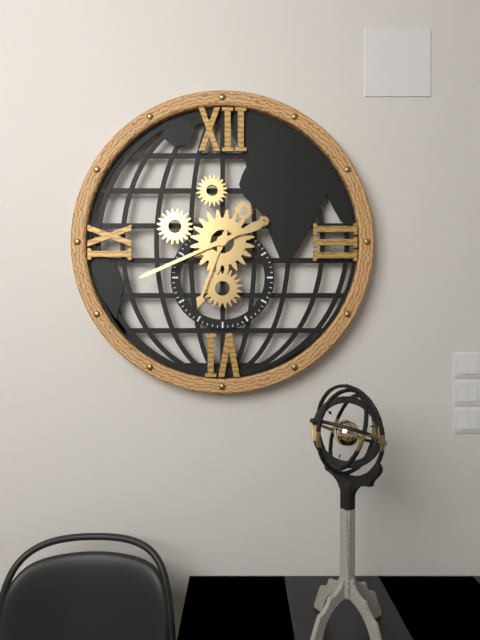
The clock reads 6,41
